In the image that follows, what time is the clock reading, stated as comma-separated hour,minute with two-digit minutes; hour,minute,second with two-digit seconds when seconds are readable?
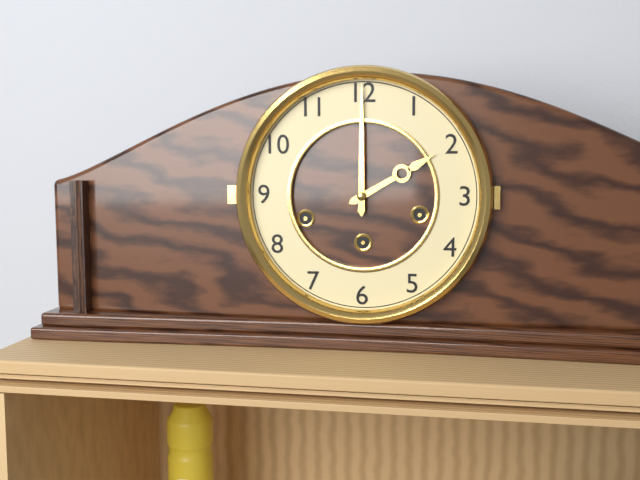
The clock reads 2,00
